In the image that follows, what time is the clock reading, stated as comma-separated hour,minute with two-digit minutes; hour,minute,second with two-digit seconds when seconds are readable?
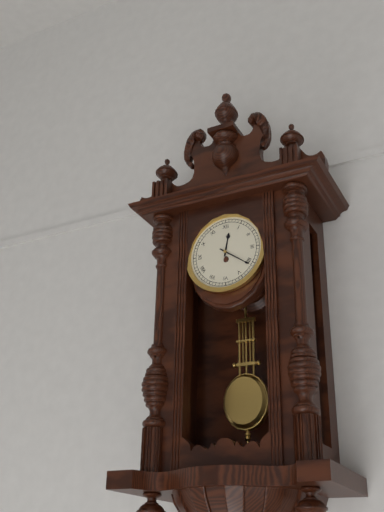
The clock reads 12,21
